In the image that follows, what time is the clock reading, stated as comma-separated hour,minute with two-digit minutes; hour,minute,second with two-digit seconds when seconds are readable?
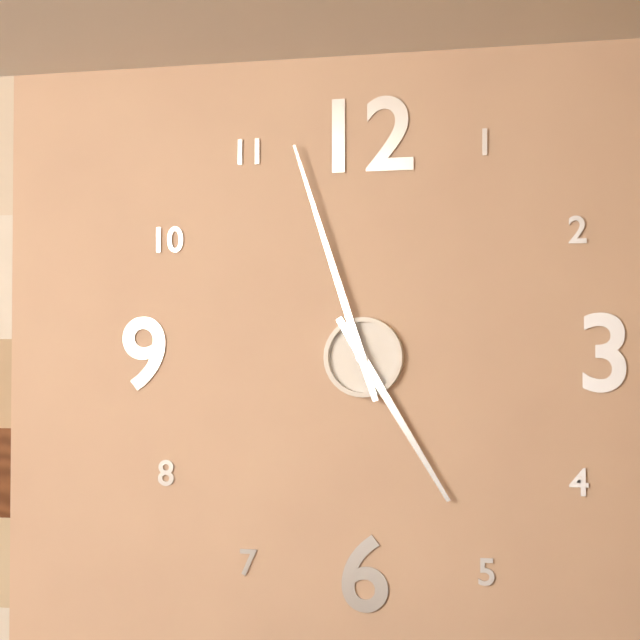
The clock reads 4,57
